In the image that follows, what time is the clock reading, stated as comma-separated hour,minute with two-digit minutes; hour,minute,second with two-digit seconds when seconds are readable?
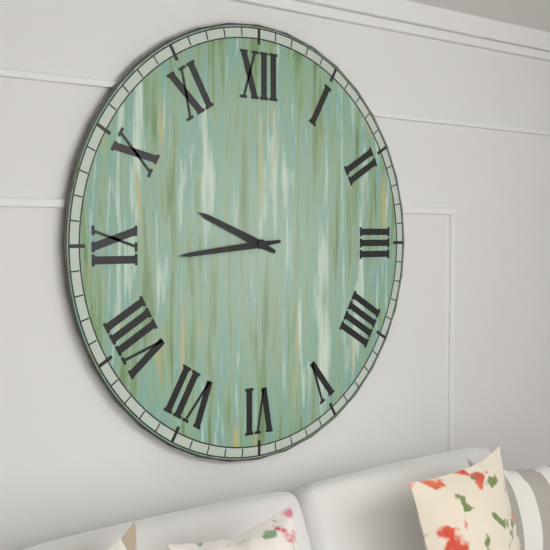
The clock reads 9,44
